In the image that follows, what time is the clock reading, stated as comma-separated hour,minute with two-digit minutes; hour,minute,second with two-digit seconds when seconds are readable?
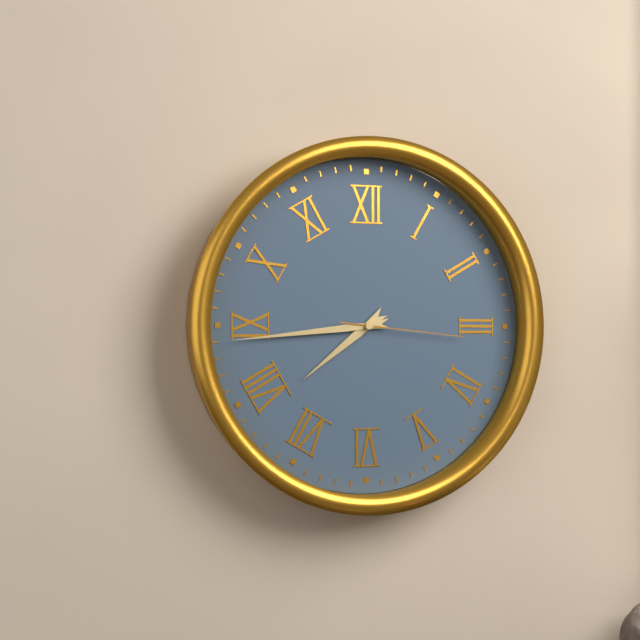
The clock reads 7,44,16
